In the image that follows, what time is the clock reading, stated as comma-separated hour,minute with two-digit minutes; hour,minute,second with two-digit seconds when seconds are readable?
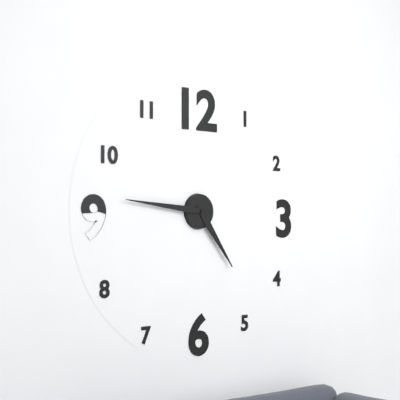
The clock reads 4,46
